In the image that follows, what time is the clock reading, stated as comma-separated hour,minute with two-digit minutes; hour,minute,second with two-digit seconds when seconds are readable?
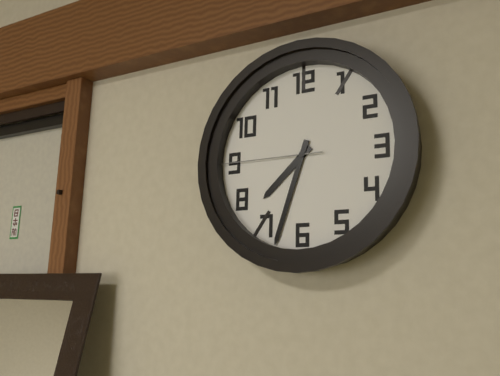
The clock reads 7,33,45
